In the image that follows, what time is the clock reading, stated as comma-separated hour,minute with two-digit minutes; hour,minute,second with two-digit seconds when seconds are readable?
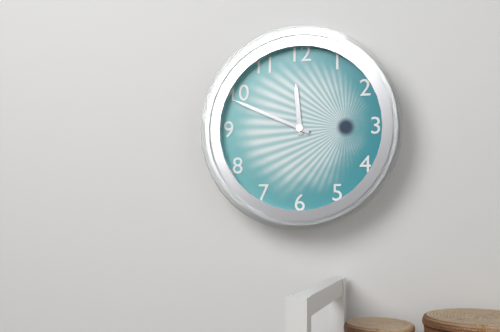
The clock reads 11,49
